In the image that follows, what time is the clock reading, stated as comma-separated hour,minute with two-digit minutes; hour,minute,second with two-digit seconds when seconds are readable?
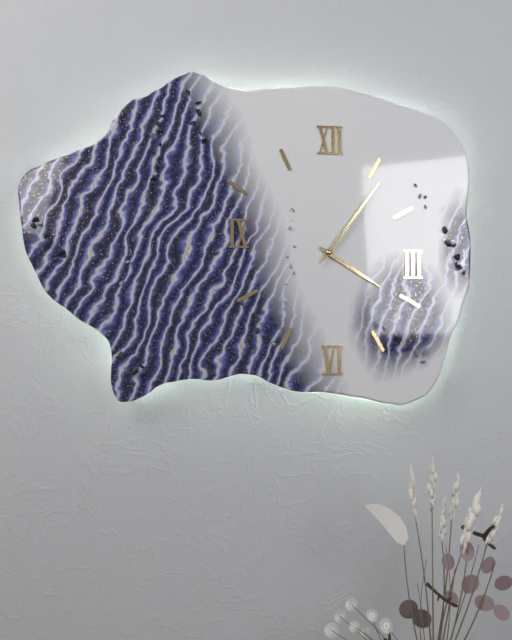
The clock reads 4,06
